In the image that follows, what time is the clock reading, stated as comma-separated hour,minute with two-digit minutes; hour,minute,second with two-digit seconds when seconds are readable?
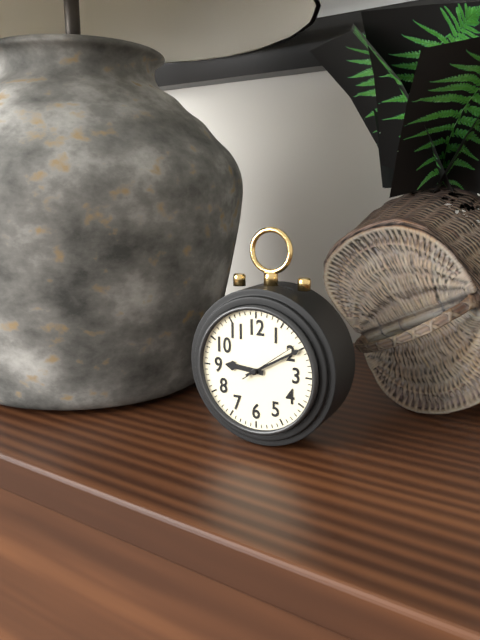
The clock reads 9,10,09
